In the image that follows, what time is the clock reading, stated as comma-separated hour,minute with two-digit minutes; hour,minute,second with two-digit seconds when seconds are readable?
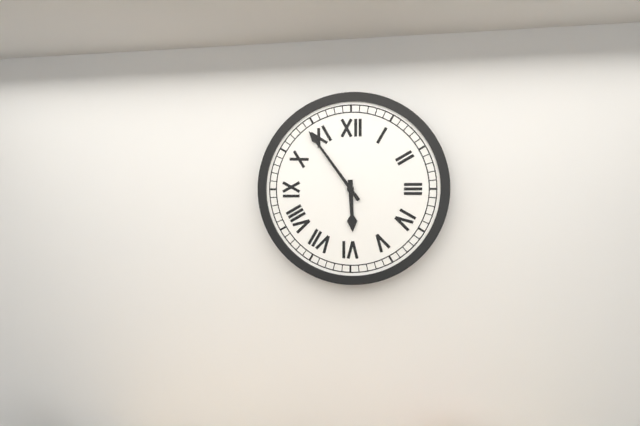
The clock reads 5,54
